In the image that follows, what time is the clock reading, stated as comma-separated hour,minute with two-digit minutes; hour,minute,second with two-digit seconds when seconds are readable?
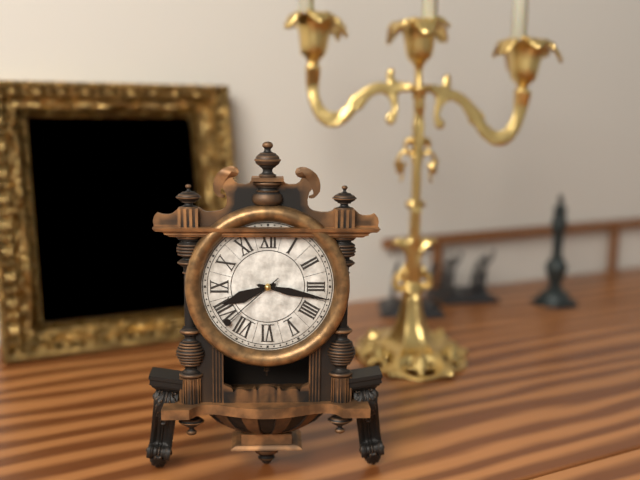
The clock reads 8,17,38
